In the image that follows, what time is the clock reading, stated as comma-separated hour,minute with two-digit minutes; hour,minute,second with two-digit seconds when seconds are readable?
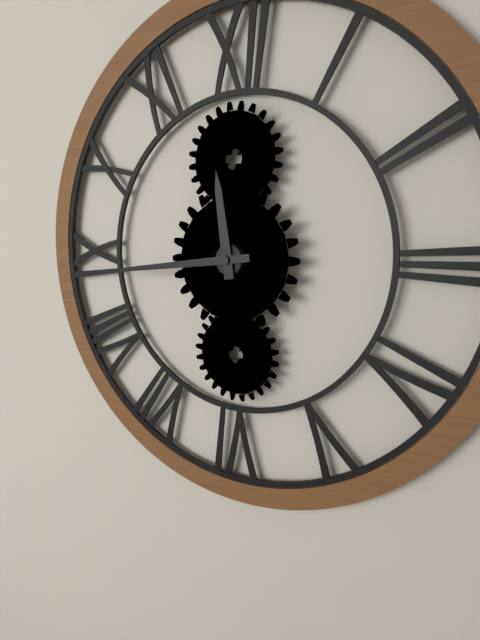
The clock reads 11,44
